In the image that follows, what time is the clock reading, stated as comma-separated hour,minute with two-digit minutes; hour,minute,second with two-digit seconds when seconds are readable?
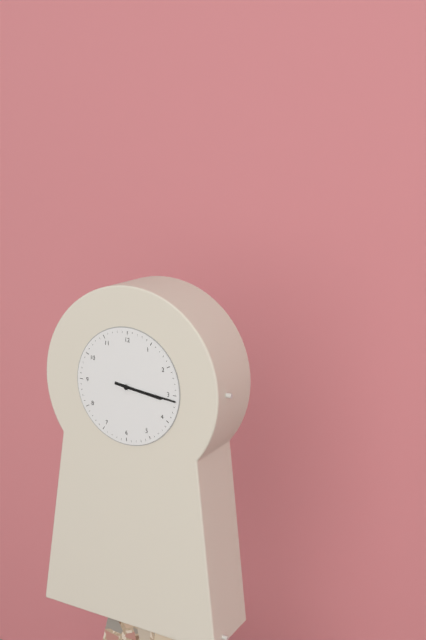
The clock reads 3,16
